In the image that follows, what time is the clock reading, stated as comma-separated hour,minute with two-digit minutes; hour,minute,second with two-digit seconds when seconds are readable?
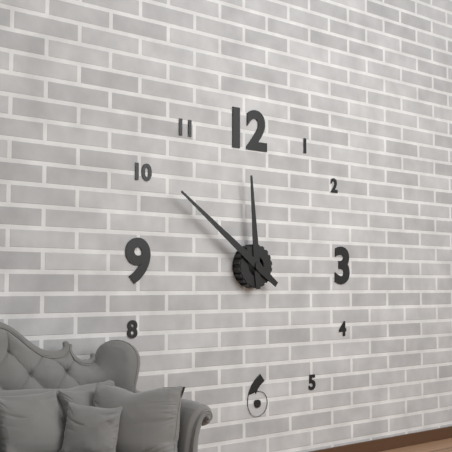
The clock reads 11,51
